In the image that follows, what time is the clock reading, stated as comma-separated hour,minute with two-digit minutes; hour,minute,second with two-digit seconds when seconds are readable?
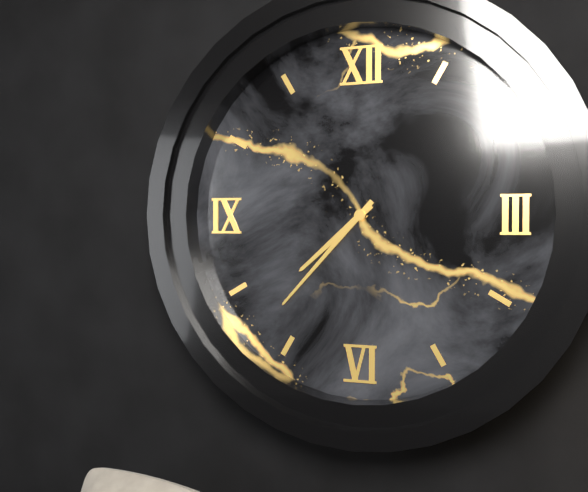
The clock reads 7,37
